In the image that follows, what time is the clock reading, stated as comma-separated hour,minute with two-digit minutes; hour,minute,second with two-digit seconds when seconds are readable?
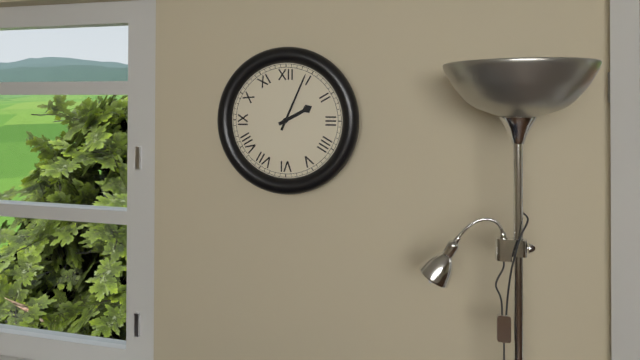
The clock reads 2,04
